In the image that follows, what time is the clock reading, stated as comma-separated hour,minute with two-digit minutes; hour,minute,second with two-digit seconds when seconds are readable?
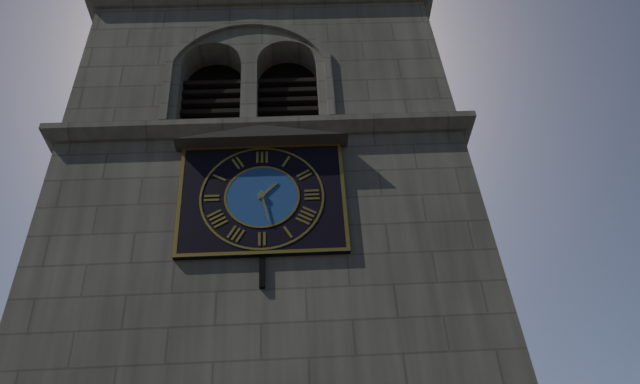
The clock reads 1,28
